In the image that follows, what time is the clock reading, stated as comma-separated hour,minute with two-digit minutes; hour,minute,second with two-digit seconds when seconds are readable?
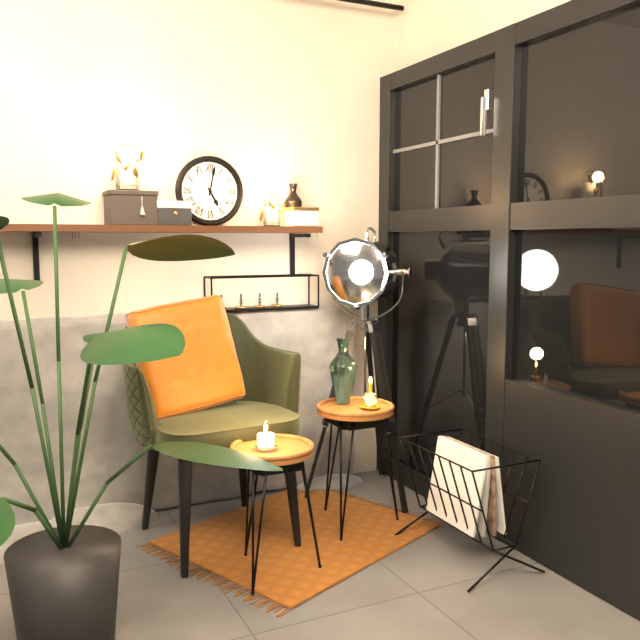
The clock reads 5,02
